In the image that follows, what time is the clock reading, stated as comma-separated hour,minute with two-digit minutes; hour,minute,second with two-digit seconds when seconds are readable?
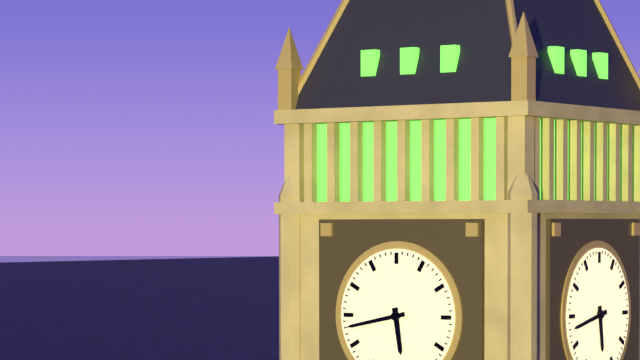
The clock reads 5,43
